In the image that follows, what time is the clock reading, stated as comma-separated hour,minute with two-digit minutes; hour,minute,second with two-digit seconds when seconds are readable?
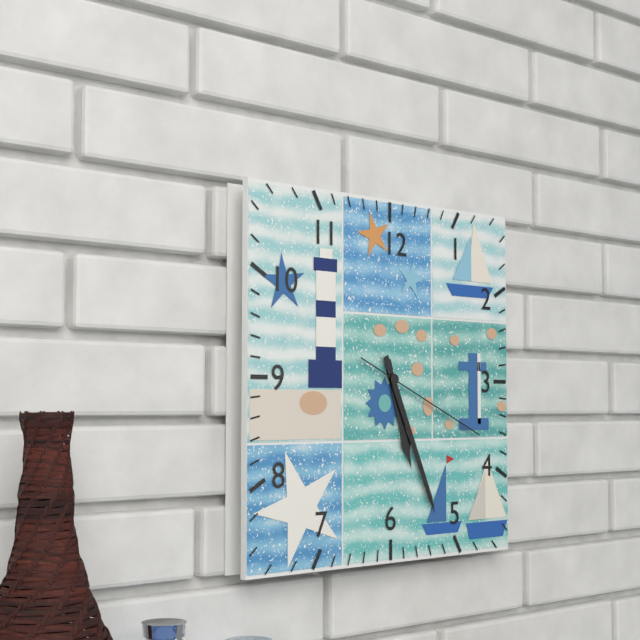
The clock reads 5,26,19
